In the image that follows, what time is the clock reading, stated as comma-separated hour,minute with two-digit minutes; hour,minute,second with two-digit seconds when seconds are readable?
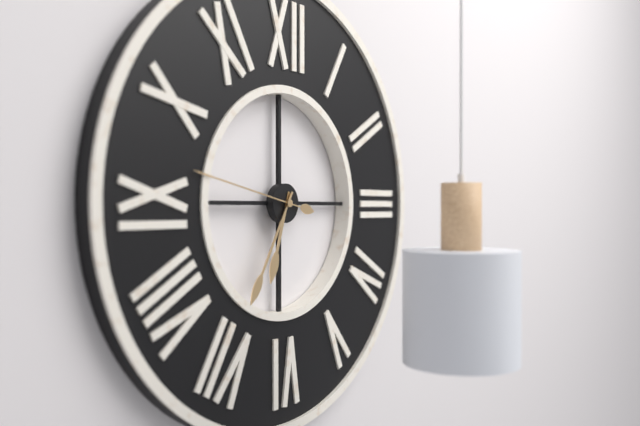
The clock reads 6,35,47
